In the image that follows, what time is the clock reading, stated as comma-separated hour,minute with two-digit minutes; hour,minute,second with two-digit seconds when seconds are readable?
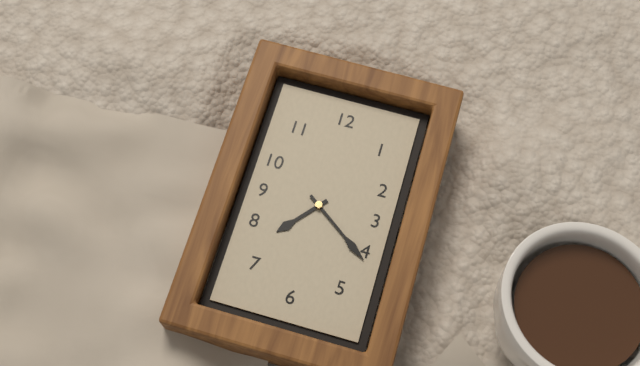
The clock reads 7,21
